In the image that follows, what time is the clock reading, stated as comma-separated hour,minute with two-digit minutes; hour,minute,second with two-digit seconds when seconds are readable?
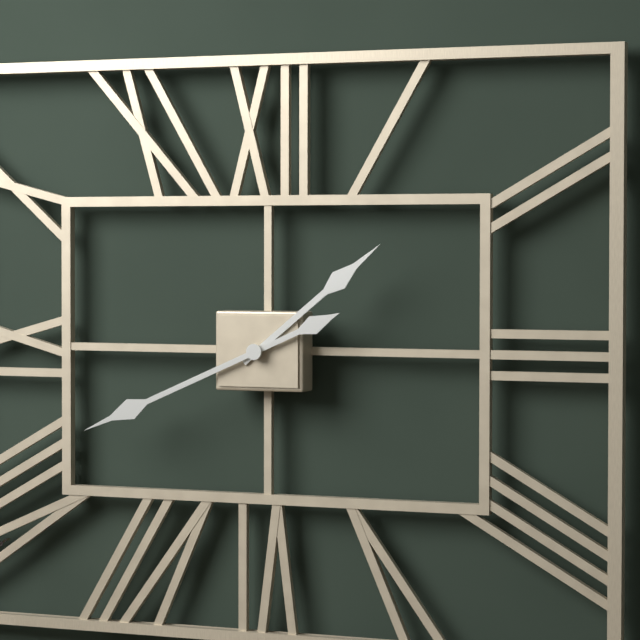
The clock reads 1,41
